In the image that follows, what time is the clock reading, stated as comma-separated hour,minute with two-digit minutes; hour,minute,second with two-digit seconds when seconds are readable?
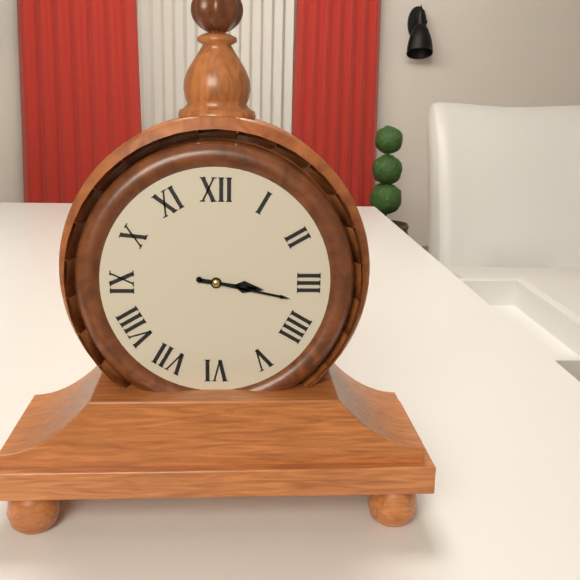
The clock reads 3,17
